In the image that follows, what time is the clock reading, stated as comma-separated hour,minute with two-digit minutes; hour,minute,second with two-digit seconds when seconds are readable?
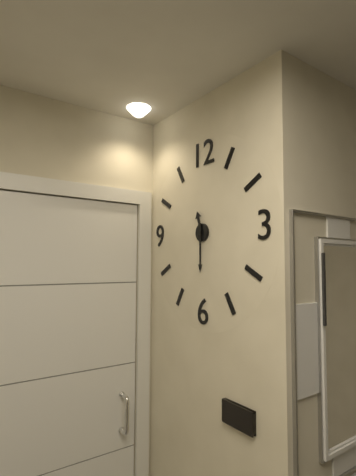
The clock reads 11,30
